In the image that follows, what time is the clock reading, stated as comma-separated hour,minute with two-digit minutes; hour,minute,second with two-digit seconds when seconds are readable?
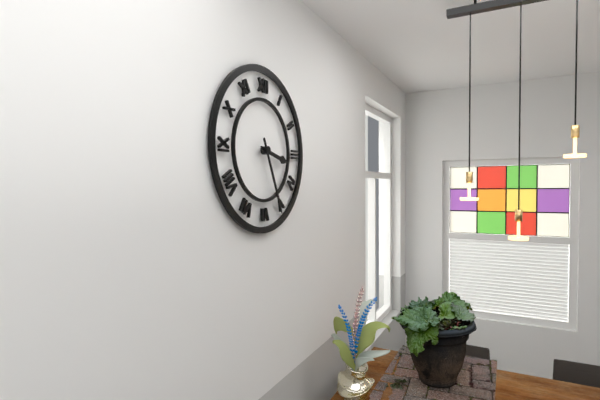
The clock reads 3,26
